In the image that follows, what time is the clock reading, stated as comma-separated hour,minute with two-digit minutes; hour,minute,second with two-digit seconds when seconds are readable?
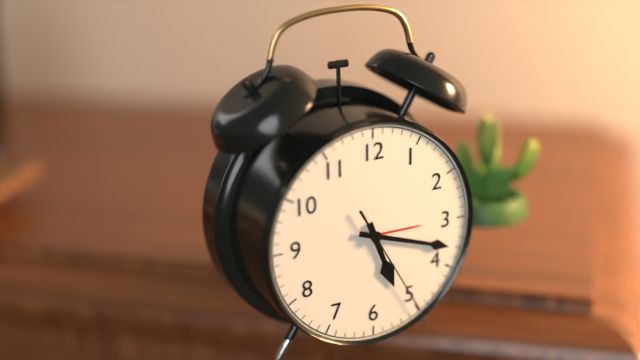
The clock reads 5,18,25
